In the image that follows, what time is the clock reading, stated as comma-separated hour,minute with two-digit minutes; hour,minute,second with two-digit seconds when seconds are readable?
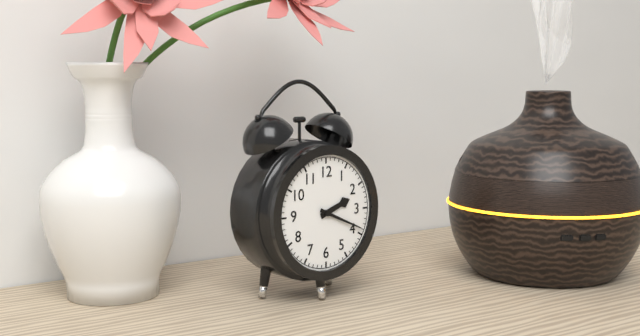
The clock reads 2,19
